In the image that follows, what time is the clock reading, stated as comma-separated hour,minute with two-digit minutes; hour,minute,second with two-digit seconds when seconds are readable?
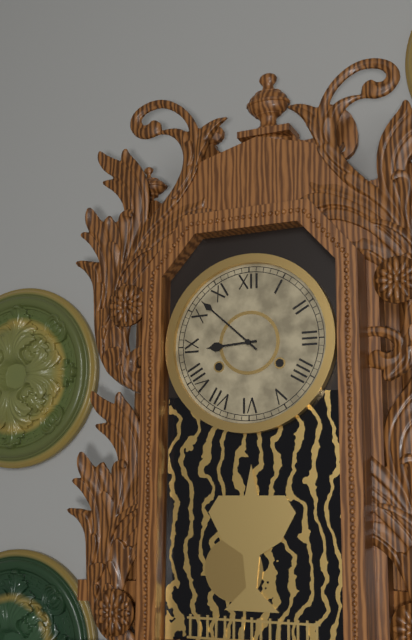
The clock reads 8,52
